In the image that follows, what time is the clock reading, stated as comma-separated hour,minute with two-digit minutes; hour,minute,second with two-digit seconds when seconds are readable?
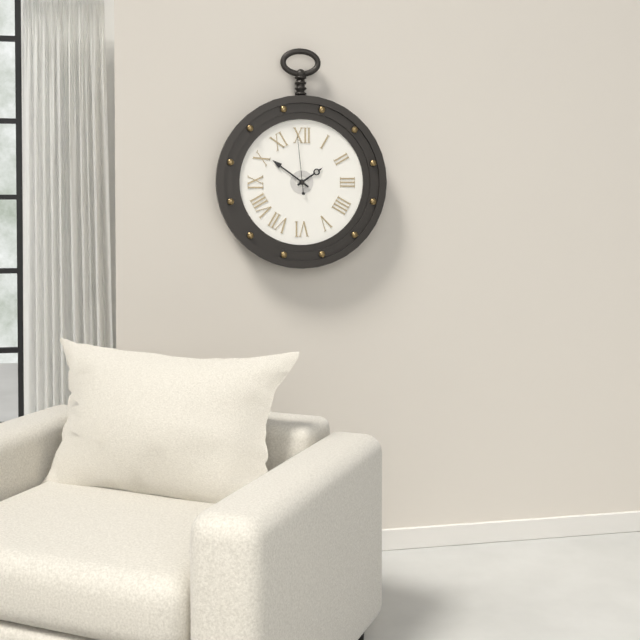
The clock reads 1,51,59
